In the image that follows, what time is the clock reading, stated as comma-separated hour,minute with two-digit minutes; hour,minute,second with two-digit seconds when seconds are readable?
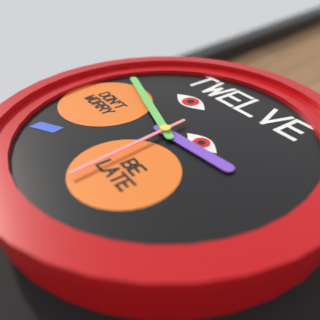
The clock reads 2,48,29
